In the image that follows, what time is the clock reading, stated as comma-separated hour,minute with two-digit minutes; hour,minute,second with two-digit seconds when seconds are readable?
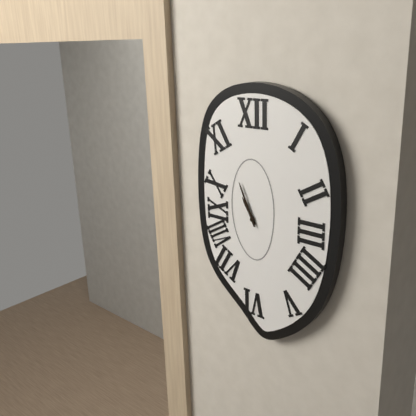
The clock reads 10,56
